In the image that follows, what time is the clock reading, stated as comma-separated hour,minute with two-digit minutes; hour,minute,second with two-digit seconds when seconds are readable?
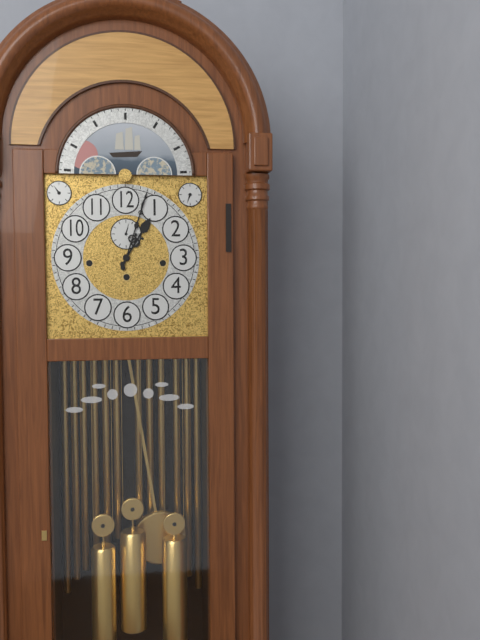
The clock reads 1,03
